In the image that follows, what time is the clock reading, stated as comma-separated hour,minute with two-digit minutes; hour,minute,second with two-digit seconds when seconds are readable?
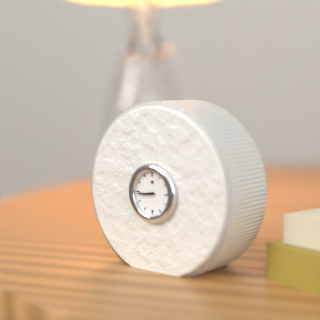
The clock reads 8,44
